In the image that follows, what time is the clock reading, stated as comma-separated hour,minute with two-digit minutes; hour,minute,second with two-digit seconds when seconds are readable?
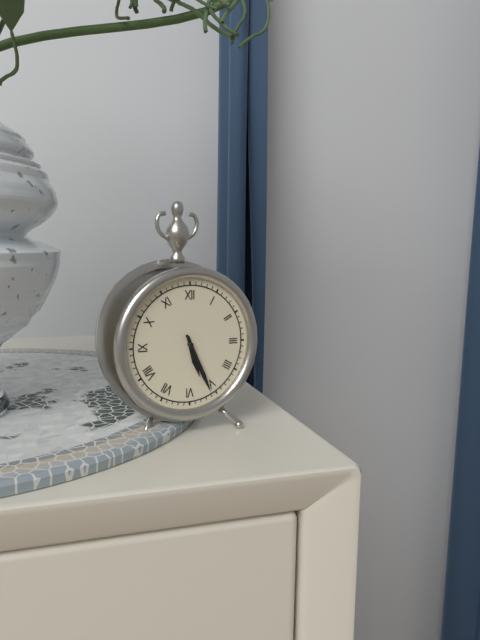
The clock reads 5,26
